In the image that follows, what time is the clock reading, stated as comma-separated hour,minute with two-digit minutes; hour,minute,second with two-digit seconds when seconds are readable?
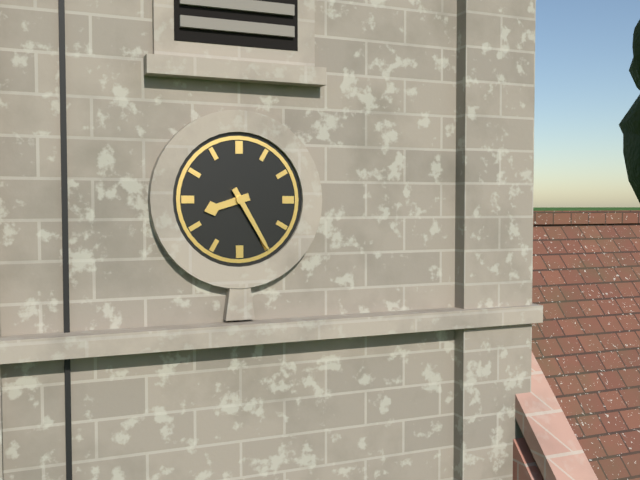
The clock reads 8,25
